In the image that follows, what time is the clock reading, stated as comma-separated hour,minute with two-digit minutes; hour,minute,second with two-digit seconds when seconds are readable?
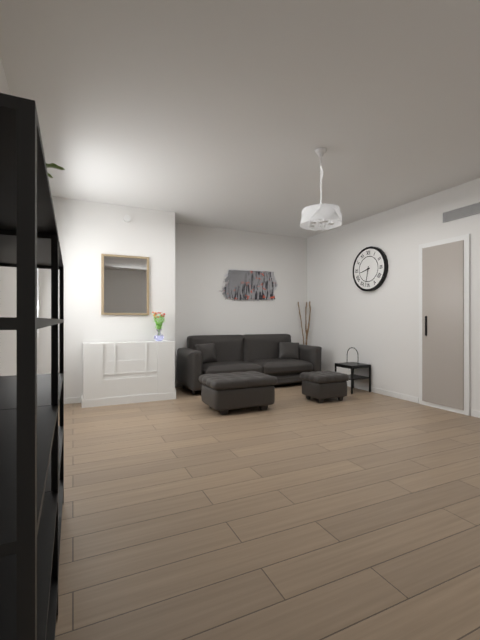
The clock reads 8,32
